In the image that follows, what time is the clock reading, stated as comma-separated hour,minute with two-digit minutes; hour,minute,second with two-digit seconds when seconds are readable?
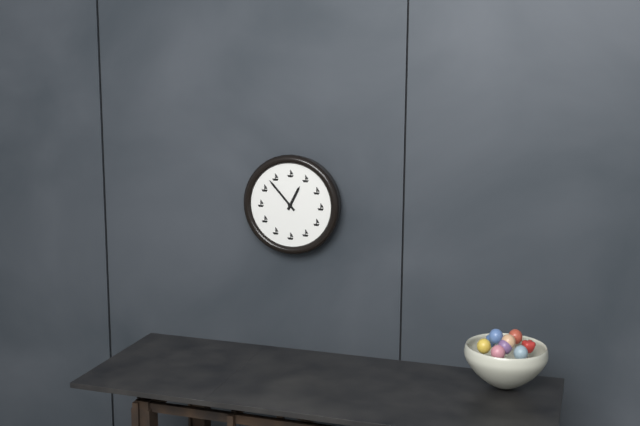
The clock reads 12,53
